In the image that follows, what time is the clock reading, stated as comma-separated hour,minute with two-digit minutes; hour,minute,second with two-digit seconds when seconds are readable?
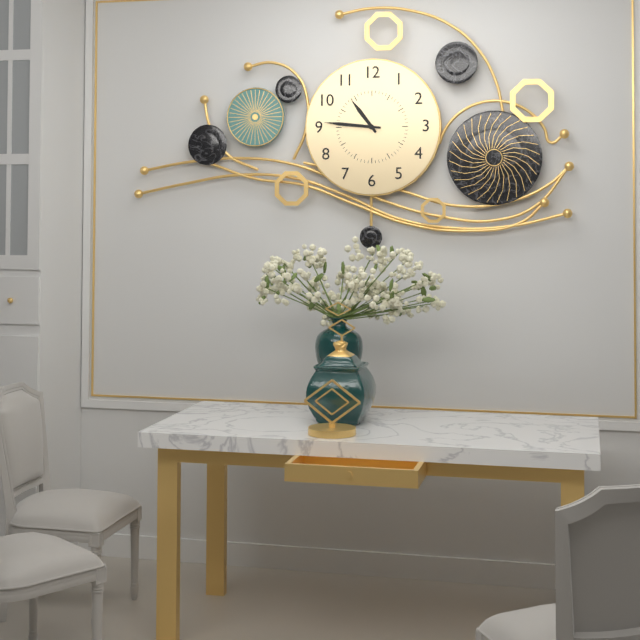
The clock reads 10,46
